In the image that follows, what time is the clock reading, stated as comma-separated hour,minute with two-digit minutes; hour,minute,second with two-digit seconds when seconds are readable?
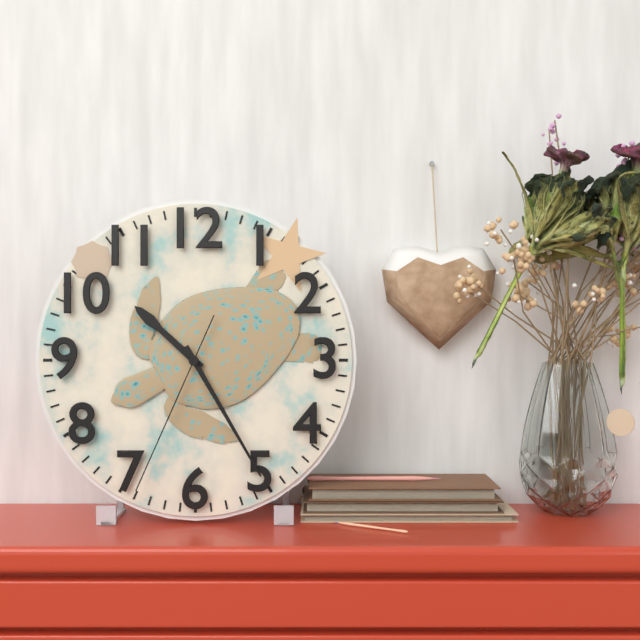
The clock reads 10,25,34
